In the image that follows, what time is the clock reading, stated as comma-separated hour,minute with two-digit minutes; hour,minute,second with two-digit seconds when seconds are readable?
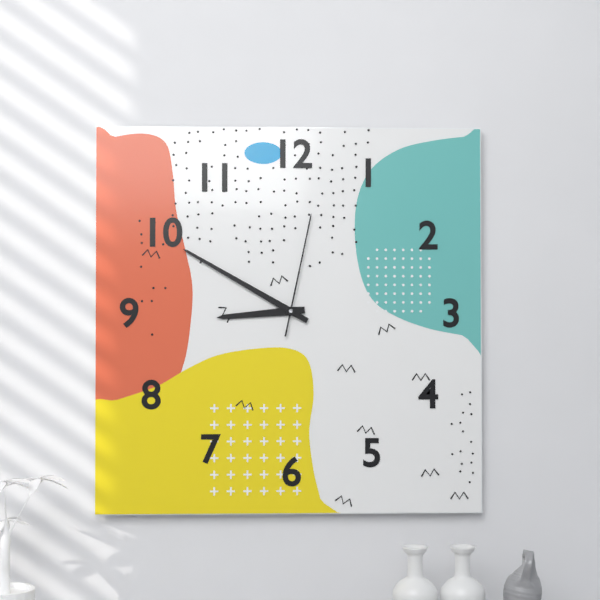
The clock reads 8,50,02
